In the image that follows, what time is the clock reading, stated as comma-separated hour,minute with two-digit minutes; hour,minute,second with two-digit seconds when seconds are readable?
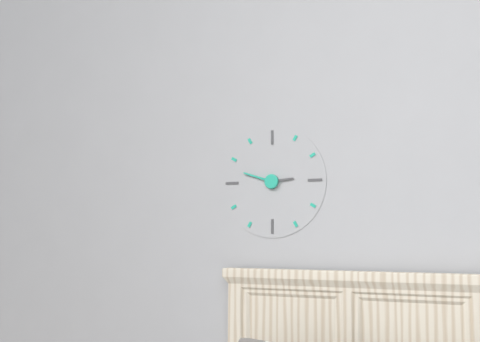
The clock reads 2,48
